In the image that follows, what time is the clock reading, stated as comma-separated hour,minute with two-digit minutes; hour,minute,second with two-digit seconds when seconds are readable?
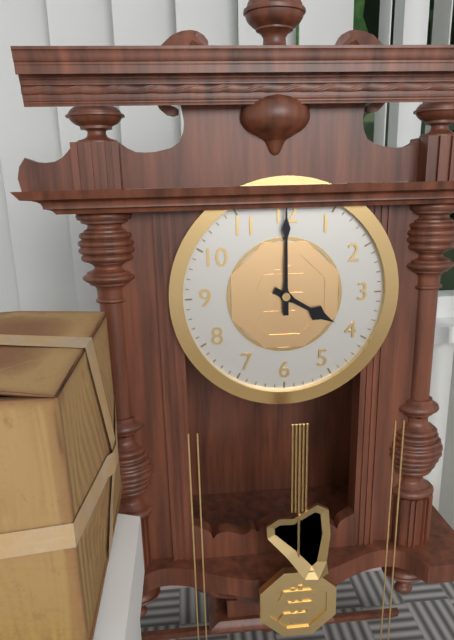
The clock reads 4,00
